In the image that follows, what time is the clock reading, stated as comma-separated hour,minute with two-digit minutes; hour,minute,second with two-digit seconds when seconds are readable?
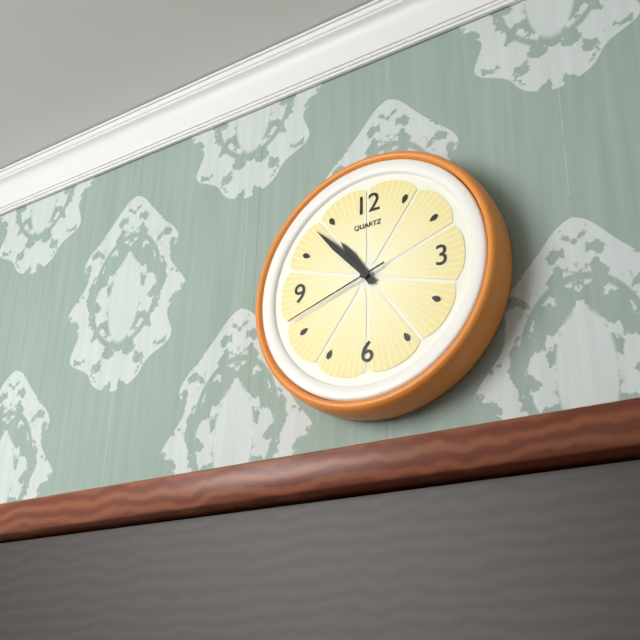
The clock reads 10,53,42
